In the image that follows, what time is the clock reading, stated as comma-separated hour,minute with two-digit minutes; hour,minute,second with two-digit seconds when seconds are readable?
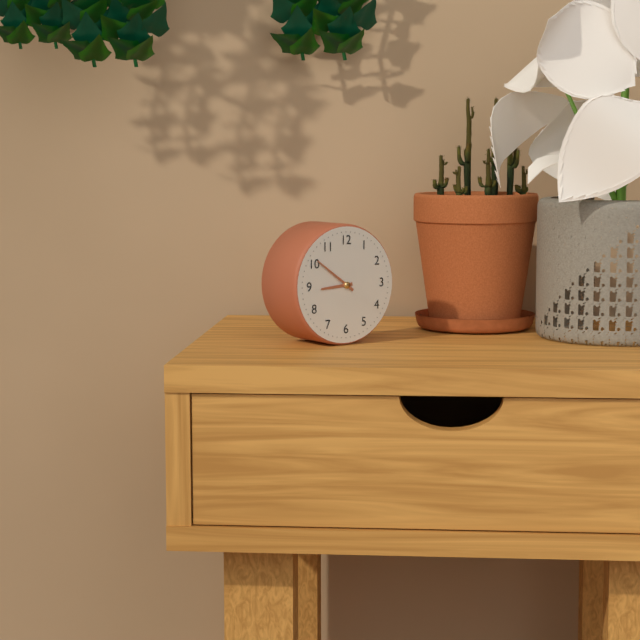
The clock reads 8,51
